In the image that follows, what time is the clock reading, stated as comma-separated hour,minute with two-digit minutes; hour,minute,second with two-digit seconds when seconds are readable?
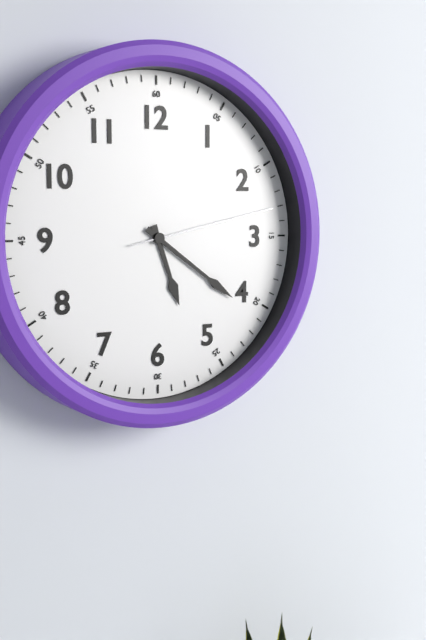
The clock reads 5,21,13
